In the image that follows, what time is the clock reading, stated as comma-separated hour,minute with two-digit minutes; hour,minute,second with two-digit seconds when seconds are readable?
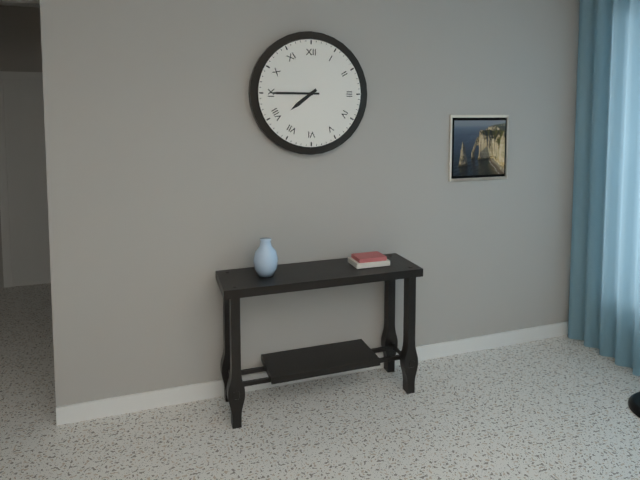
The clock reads 7,45
